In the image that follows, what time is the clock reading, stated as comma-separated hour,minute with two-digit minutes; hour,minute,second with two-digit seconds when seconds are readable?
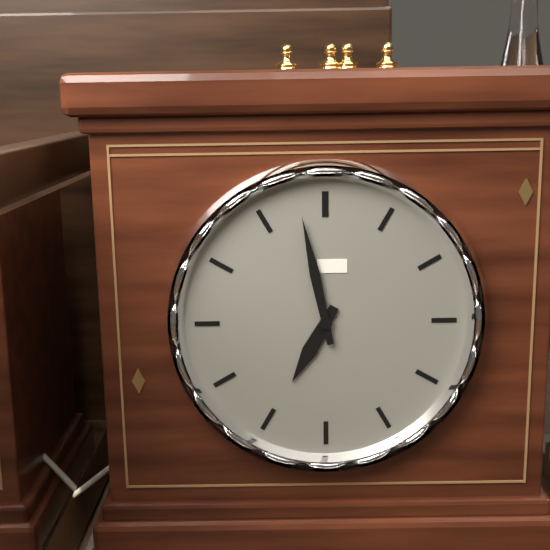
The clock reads 6,58
